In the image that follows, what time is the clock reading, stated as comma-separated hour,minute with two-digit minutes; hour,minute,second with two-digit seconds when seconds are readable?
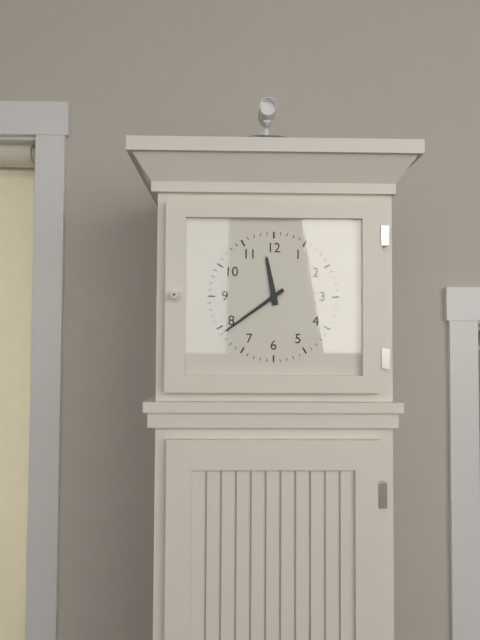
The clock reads 11,39
